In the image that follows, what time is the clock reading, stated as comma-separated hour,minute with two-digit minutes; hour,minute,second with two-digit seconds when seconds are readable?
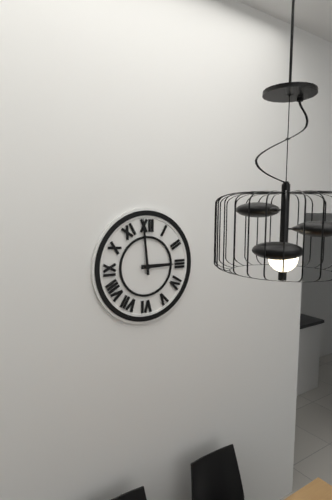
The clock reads 2,59
